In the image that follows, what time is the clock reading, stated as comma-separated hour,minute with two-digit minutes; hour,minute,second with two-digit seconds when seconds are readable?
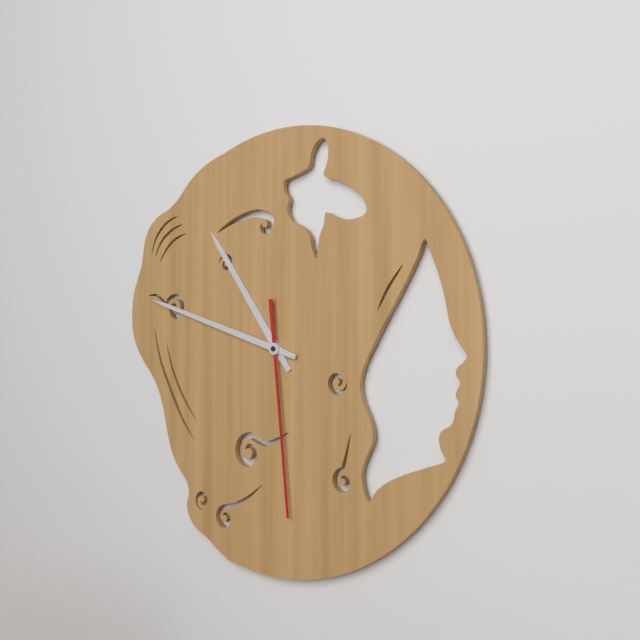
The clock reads 10,48,29
